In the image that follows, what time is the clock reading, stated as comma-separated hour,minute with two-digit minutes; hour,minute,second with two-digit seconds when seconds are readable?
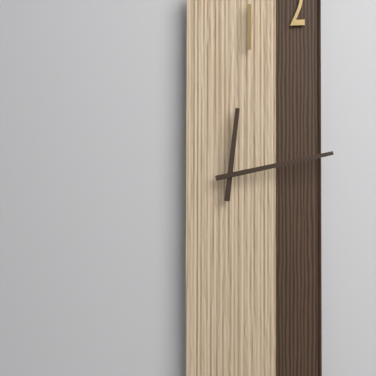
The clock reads 12,13
